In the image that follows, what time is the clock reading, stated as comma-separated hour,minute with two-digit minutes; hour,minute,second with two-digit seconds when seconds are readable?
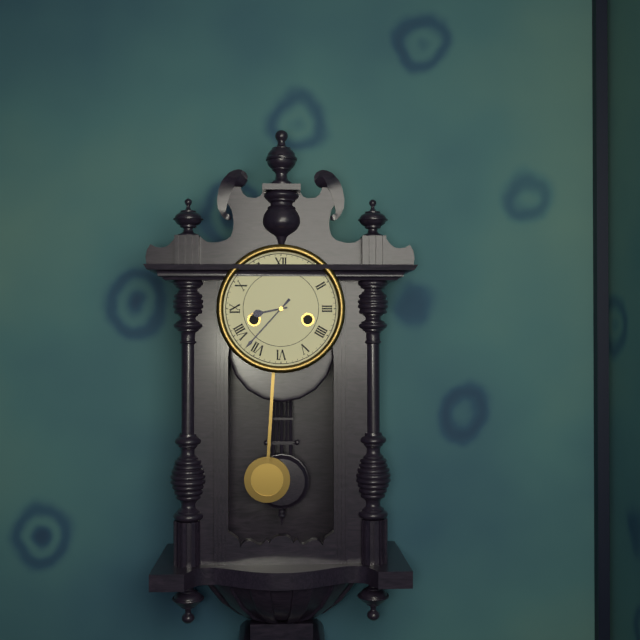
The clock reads 8,37
